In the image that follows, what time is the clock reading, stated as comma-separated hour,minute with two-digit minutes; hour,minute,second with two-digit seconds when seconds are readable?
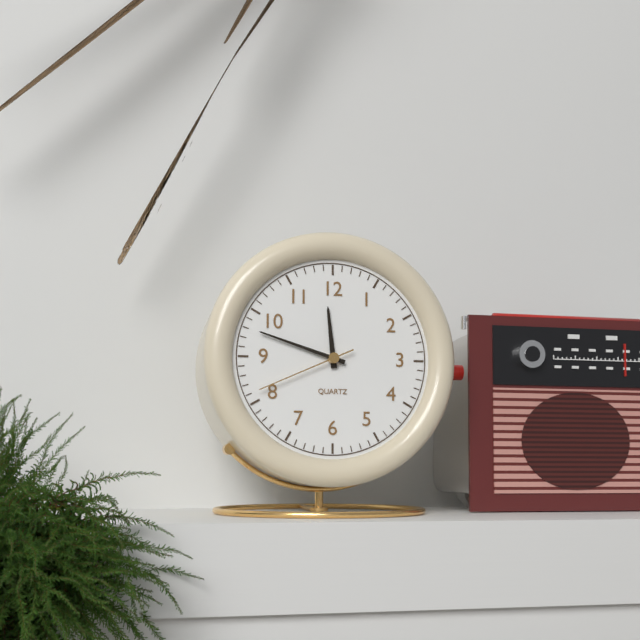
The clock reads 11,48,41
